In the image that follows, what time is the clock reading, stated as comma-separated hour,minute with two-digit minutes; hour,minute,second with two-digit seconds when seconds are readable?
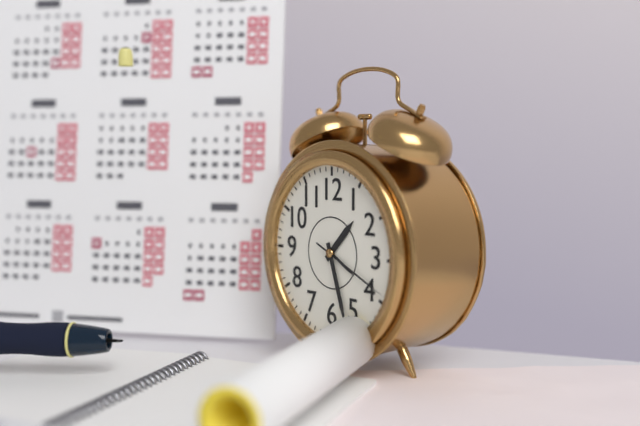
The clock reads 1,27,19
